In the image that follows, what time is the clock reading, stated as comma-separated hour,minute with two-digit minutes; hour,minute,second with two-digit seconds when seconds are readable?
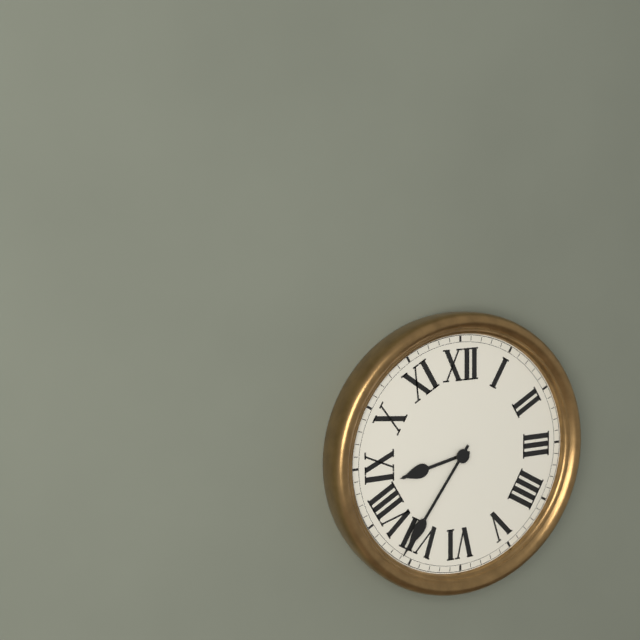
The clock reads 8,36
